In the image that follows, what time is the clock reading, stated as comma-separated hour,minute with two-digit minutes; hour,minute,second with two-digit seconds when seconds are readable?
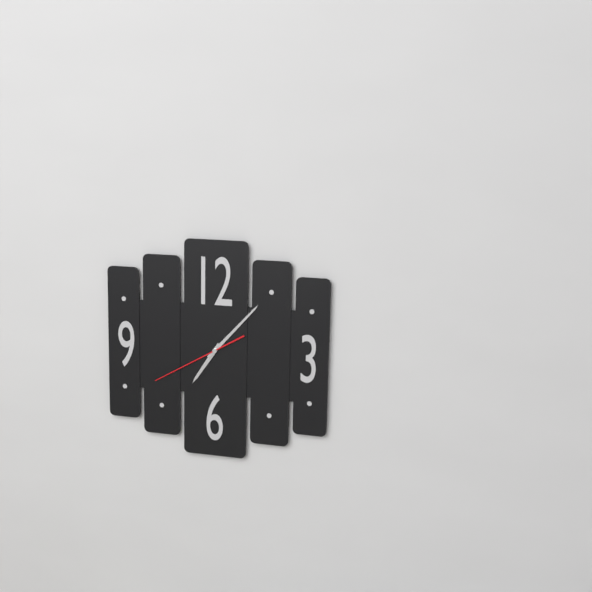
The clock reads 7,07,40
